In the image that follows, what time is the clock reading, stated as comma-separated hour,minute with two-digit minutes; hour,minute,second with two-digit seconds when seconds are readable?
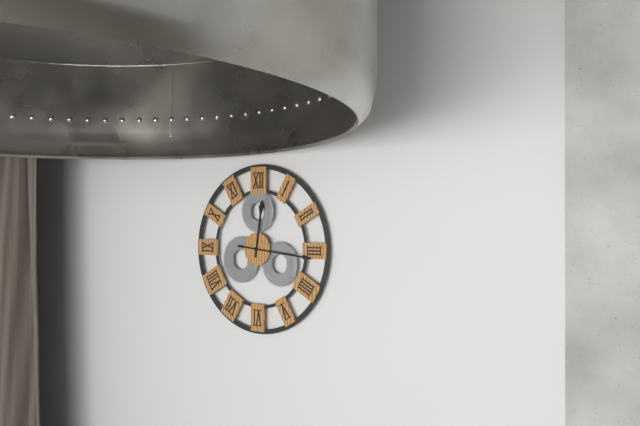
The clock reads 12,16
